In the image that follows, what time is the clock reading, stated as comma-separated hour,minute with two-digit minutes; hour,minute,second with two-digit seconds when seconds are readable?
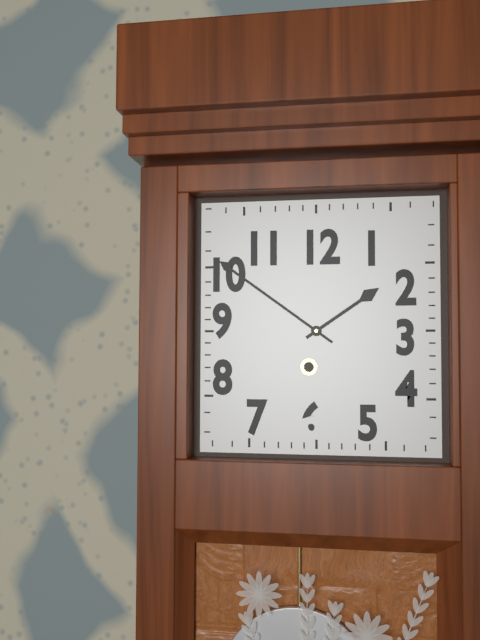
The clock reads 1,51
